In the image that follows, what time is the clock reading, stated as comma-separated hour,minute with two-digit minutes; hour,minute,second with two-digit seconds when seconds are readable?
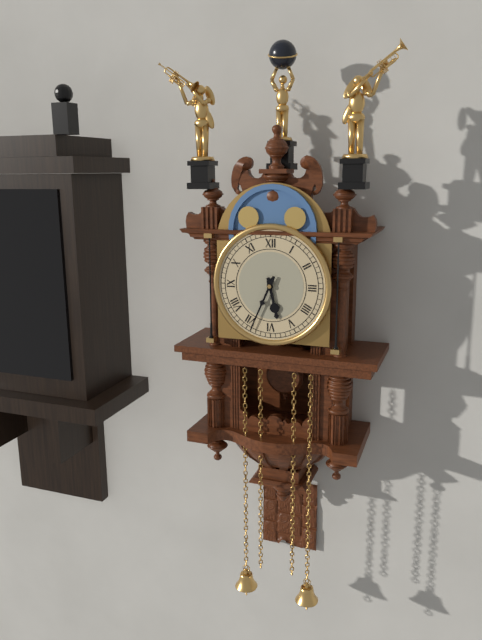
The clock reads 5,34
